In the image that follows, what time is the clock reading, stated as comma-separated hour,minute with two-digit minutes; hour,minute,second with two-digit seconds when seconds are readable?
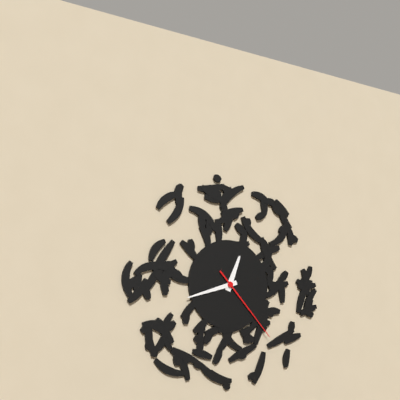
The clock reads 12,42,23
